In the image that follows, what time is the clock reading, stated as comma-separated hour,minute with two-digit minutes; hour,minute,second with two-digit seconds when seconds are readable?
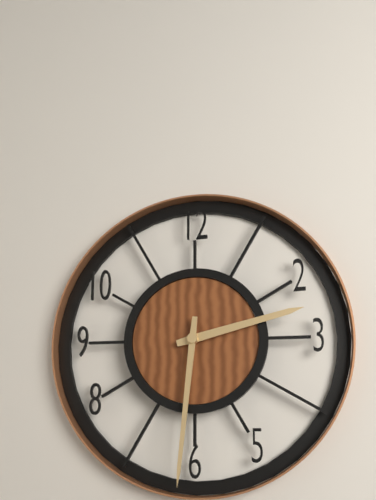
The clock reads 2,31
